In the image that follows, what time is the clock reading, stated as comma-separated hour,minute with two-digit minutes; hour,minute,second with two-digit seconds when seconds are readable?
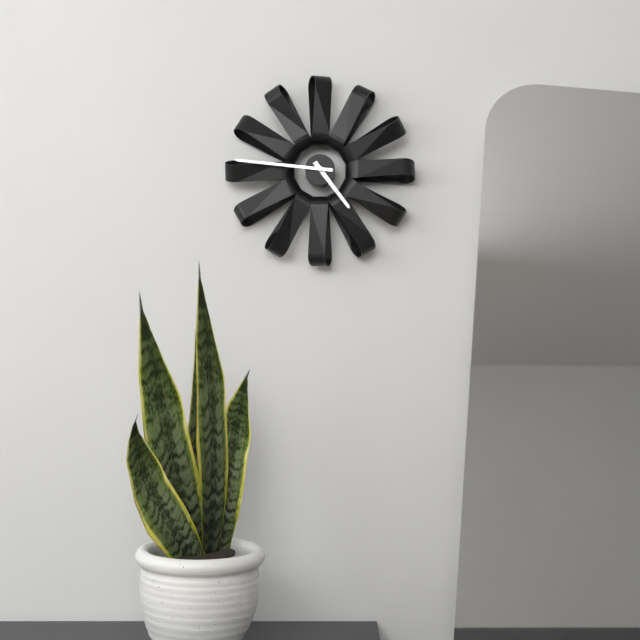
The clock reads 4,46
